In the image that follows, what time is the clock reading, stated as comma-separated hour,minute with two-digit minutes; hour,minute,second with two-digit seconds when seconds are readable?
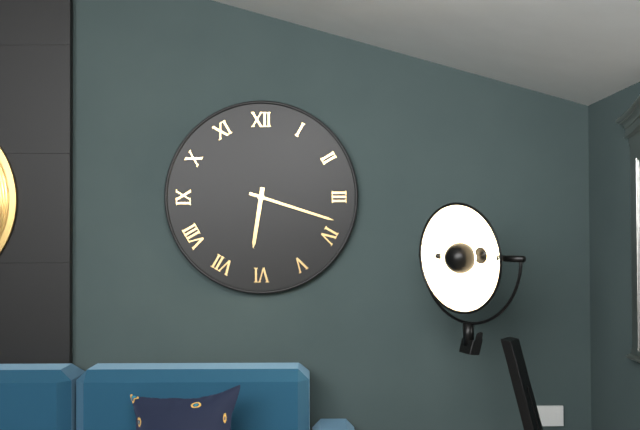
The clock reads 6,18
